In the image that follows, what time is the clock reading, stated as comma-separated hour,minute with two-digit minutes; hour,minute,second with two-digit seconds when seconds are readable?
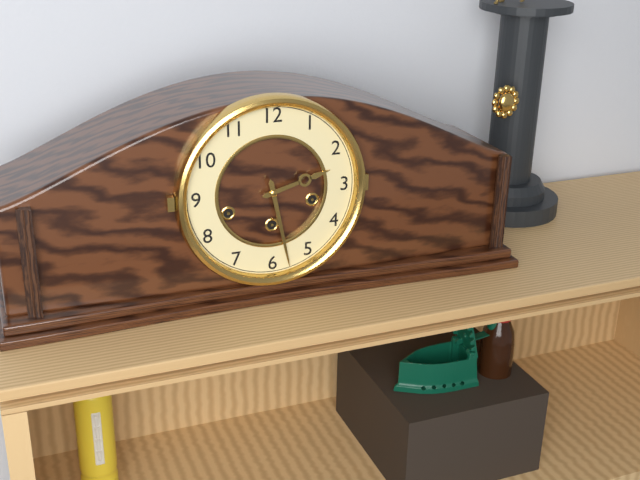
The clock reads 2,28
